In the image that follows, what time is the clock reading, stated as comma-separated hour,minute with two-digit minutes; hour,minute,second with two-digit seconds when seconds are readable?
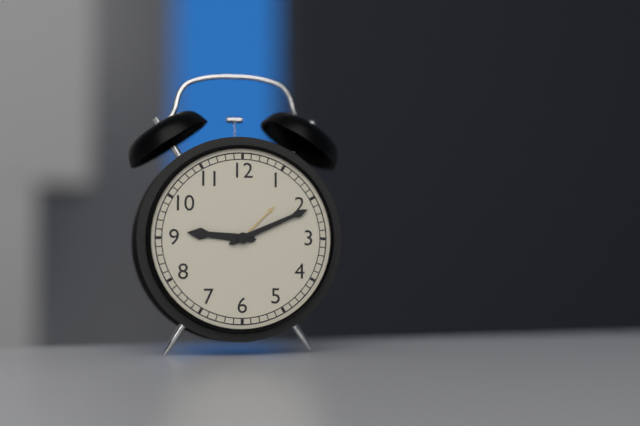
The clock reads 9,11
